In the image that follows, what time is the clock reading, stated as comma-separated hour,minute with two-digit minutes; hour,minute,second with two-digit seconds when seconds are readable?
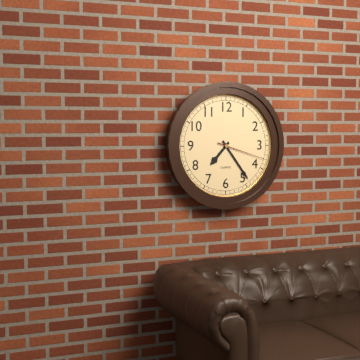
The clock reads 7,24,18
